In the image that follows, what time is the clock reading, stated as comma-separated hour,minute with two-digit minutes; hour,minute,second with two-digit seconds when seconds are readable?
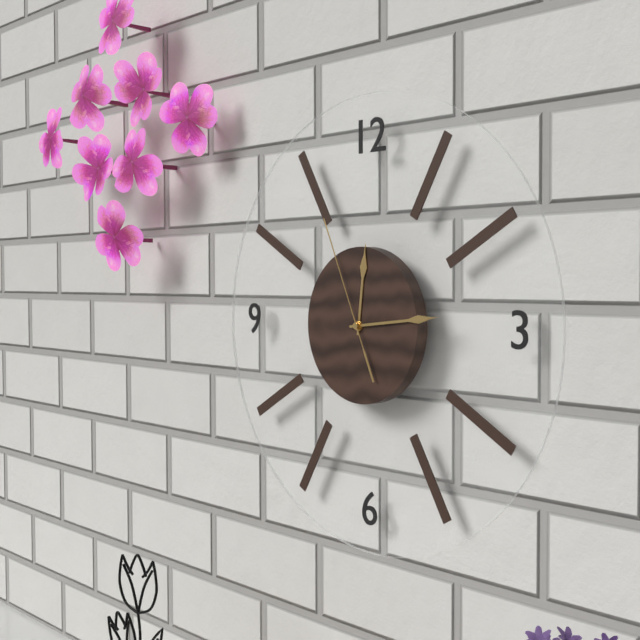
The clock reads 12,14,56
